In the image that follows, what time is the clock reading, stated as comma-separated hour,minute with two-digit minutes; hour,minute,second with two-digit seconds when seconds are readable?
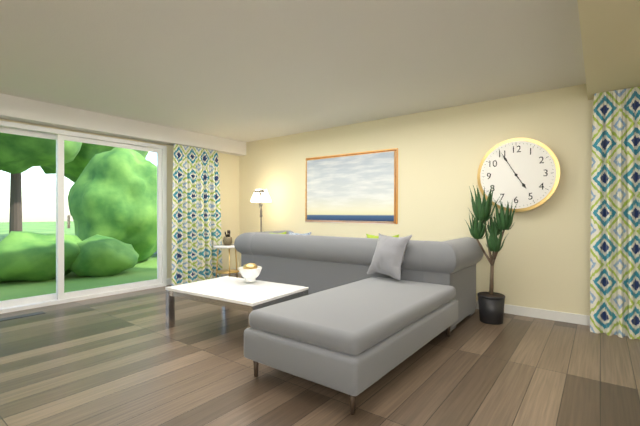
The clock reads 4,55
